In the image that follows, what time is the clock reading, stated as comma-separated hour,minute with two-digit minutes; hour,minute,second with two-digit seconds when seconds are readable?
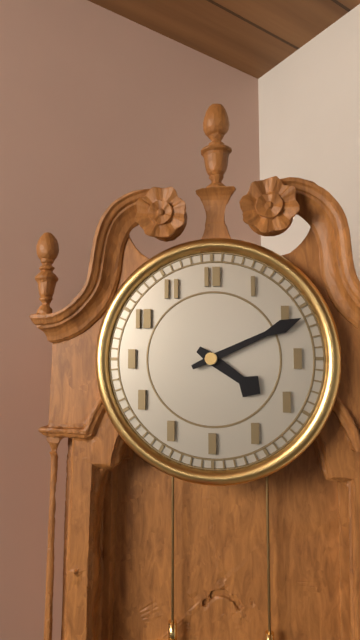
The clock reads 4,11
